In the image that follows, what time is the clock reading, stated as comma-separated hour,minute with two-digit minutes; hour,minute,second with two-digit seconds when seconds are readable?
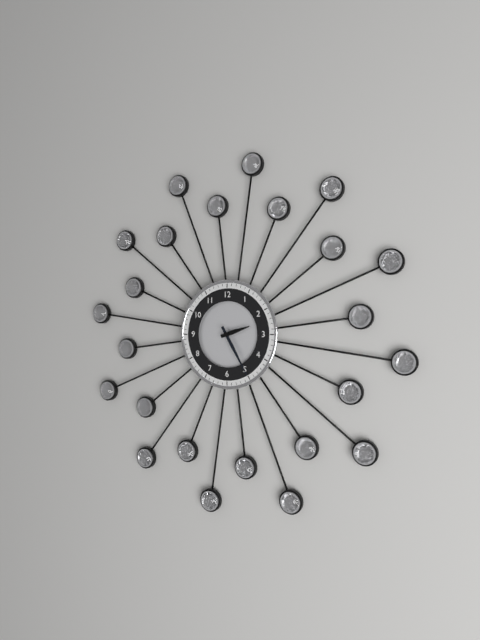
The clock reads 2,25
